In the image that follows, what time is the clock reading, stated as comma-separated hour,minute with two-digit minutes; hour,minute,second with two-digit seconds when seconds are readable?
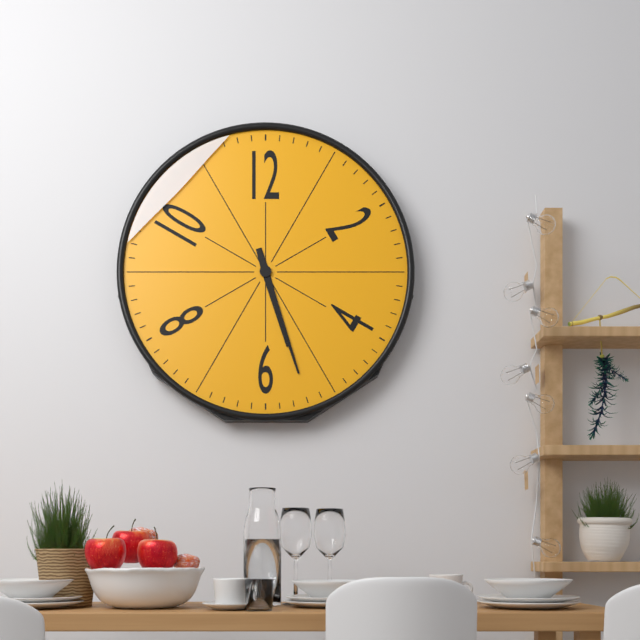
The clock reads 5,27
